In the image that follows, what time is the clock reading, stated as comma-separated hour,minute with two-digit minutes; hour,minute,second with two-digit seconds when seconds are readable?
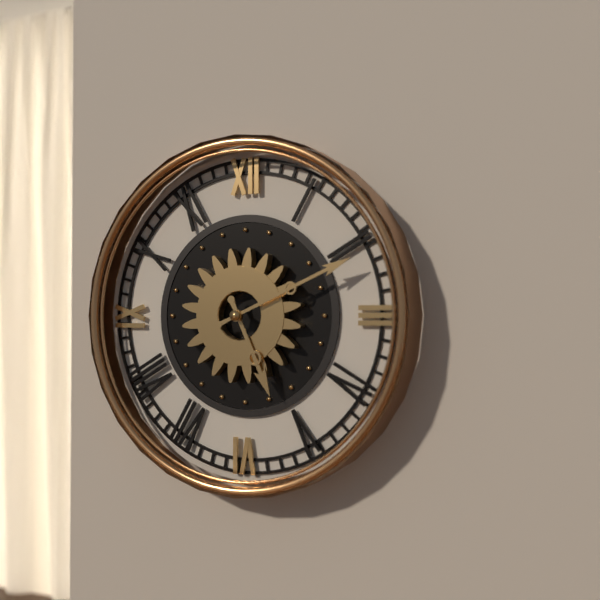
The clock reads 5,11
